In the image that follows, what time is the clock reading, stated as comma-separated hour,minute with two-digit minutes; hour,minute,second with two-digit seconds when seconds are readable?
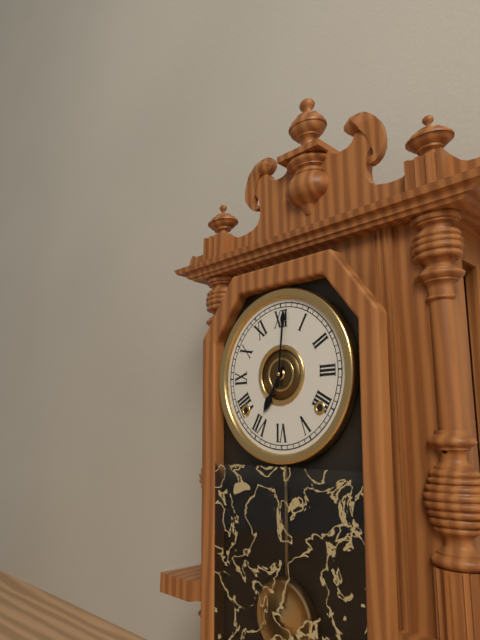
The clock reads 7,01
